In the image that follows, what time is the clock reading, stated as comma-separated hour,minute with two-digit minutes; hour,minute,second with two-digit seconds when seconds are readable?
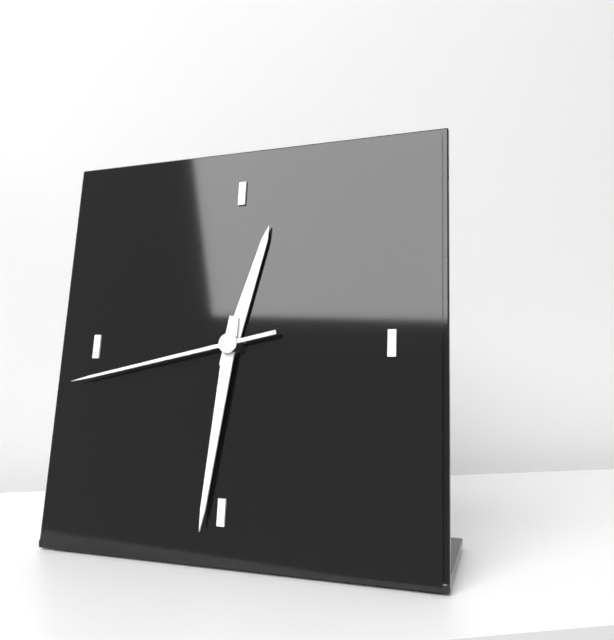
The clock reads 12,31,43
